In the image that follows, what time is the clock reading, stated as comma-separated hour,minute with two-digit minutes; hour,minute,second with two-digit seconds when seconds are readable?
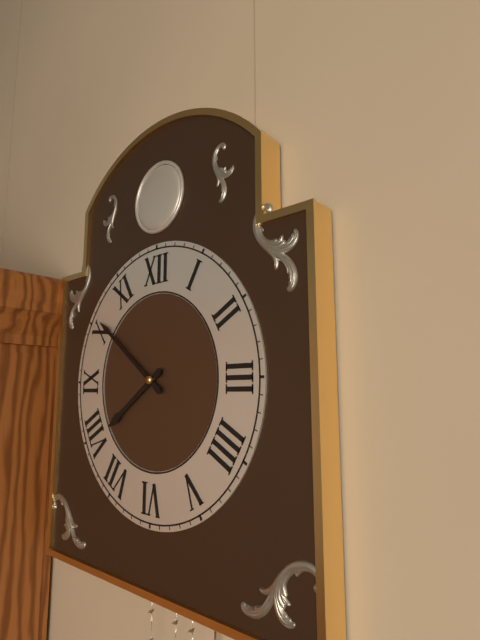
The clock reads 7,51
